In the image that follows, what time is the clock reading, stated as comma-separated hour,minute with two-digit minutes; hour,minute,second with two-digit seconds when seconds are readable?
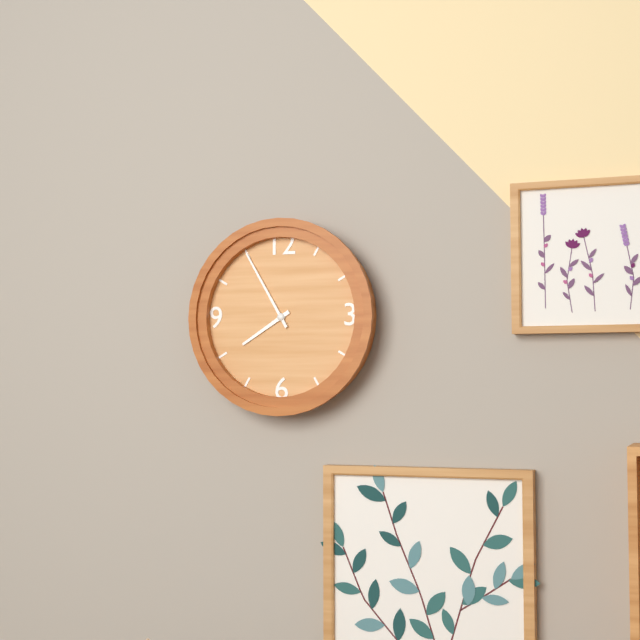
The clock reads 7,55
